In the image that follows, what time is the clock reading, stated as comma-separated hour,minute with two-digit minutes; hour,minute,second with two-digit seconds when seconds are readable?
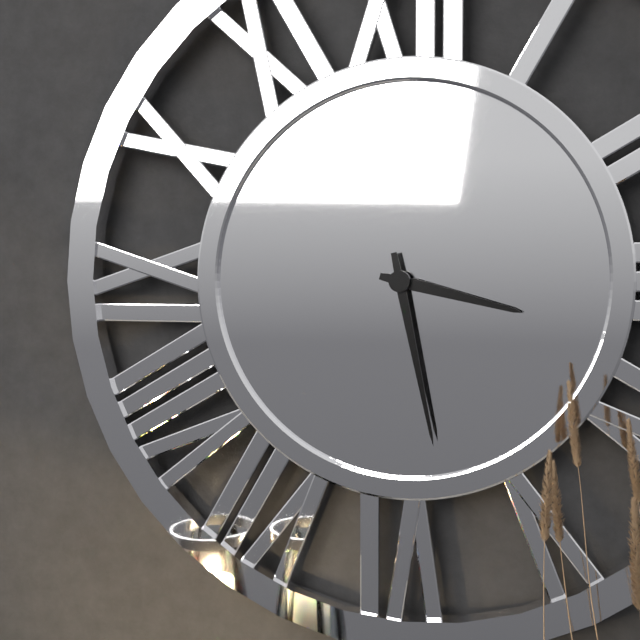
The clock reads 3,28
